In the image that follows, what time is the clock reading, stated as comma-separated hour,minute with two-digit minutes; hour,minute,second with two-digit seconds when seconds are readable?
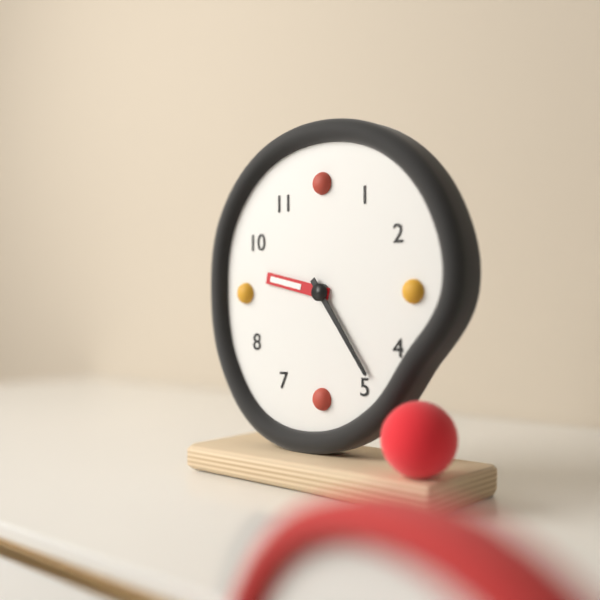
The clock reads 9,24
